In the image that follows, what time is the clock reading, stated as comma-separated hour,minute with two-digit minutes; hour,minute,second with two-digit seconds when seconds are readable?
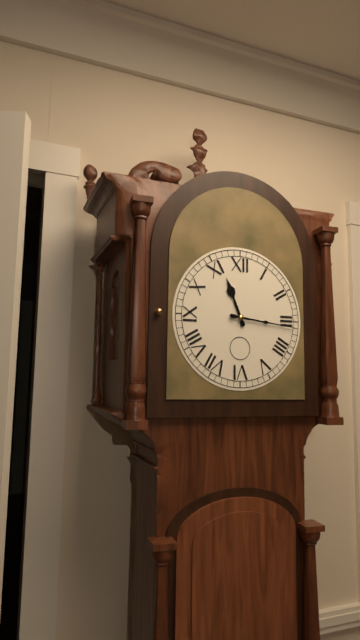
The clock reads 11,16
